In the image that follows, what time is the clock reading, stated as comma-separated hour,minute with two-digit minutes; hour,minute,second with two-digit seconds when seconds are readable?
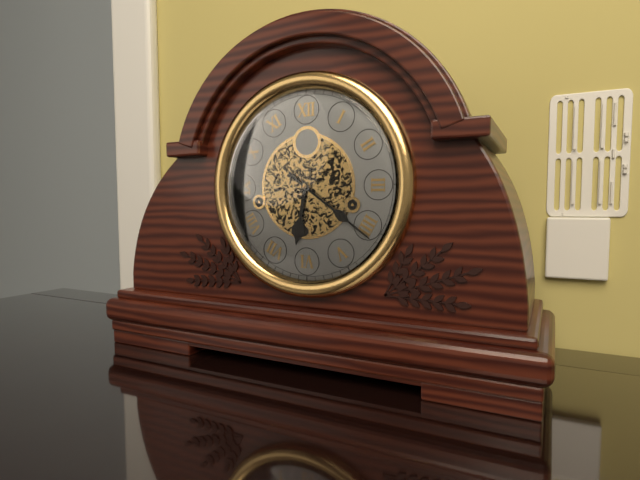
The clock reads 6,21
